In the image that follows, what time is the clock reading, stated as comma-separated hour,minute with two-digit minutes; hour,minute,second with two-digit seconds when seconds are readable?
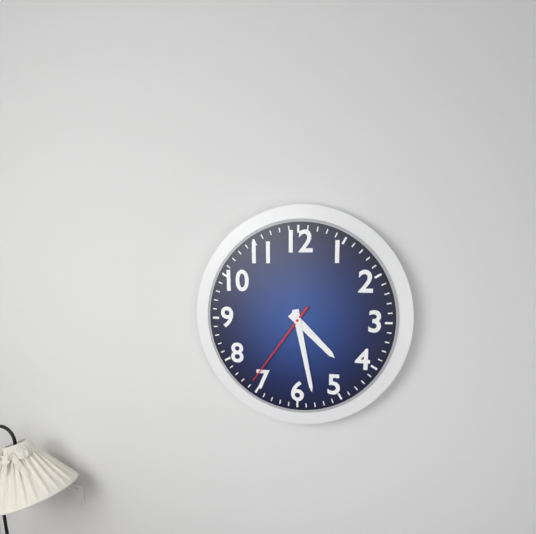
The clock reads 4,28,36
